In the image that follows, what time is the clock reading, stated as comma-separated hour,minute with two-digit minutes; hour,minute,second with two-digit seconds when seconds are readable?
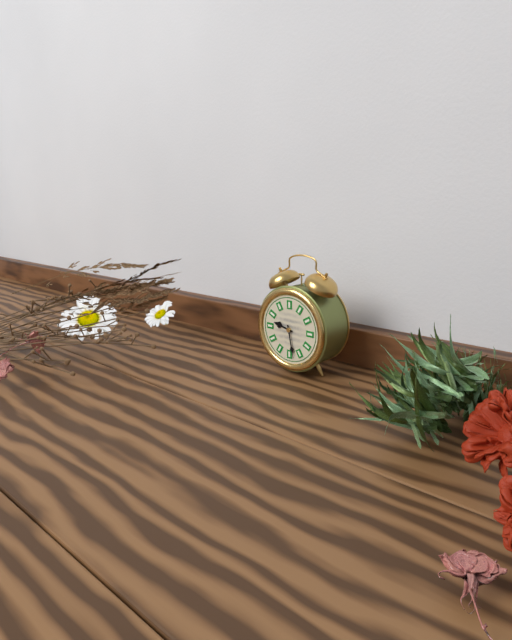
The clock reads 9,28
